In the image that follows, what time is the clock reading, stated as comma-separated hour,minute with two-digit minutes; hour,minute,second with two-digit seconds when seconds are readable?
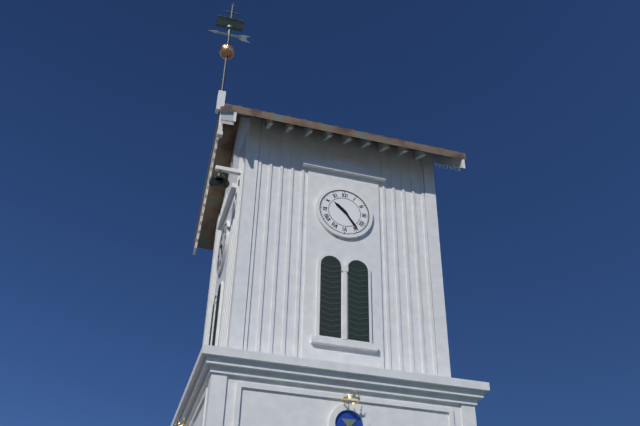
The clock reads 10,24
